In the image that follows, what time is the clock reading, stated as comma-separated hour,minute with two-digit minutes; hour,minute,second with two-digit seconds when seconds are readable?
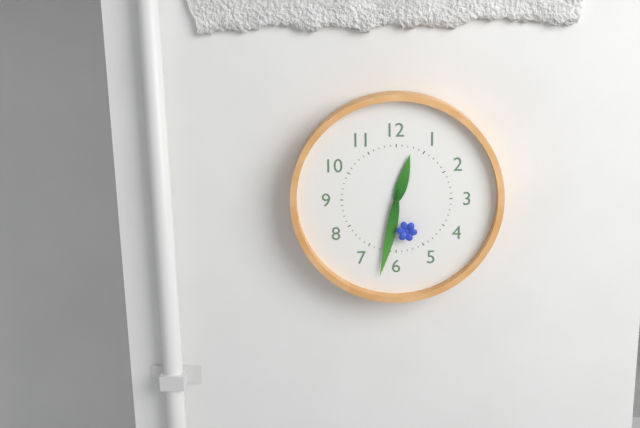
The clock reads 12,32,27
